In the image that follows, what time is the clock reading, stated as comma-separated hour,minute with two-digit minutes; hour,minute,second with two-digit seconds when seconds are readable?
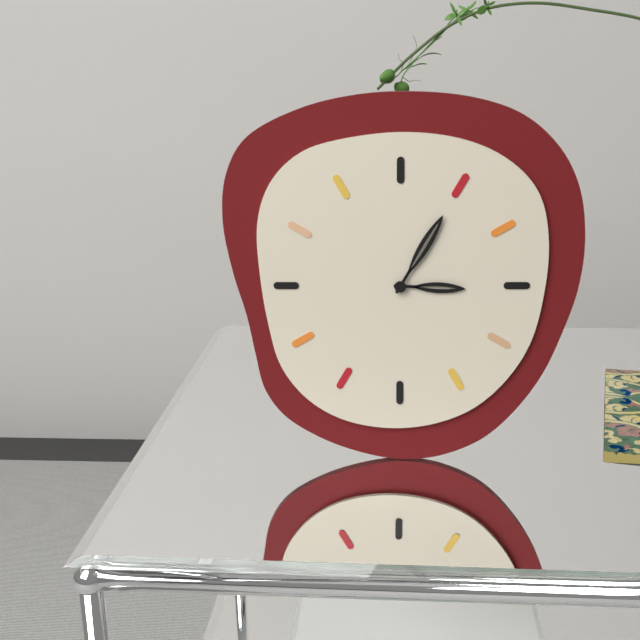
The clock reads 3,05
